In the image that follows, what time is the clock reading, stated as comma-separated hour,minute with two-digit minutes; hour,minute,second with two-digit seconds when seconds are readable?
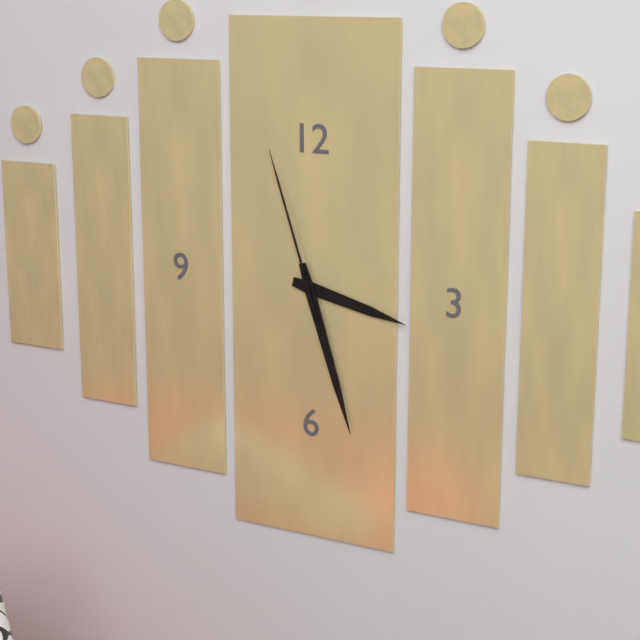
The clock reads 3,27,57
